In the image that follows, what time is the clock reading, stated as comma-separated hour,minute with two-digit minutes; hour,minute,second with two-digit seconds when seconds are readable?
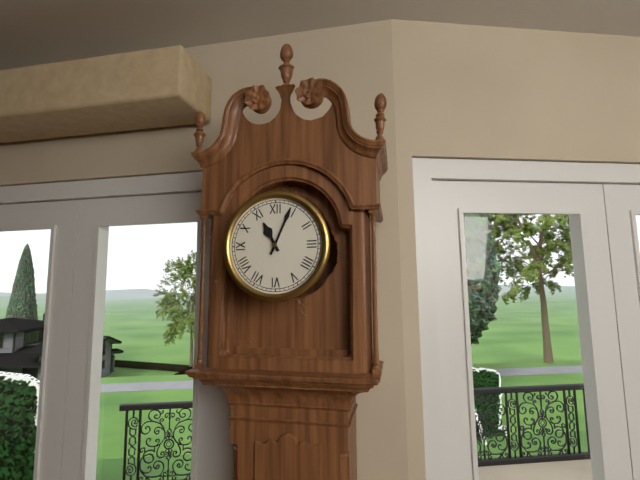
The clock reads 11,04
